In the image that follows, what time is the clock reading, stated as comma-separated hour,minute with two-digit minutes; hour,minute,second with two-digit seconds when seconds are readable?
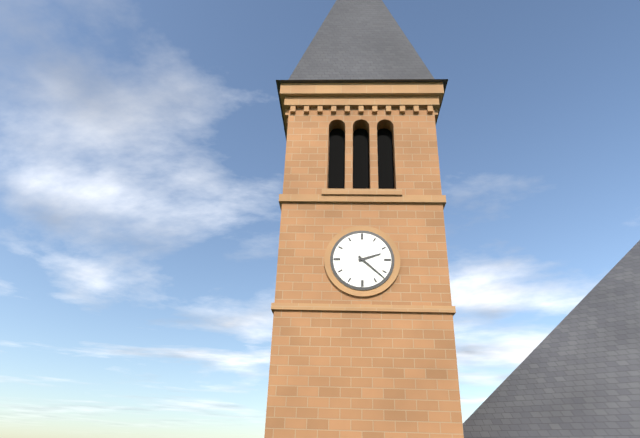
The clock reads 2,22
